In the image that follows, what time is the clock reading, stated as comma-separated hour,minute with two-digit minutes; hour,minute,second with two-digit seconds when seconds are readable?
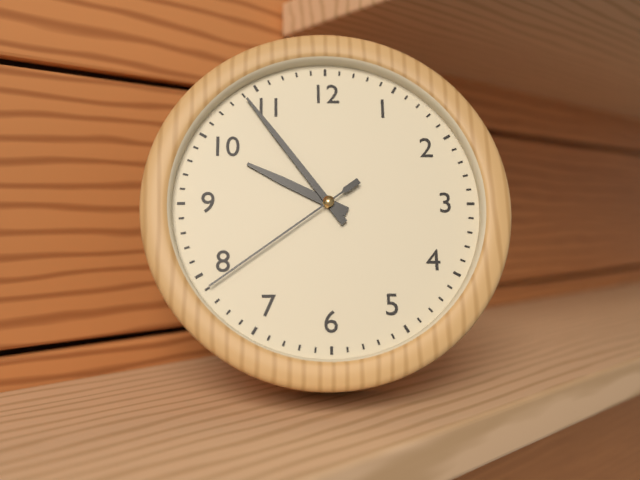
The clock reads 9,54,39
